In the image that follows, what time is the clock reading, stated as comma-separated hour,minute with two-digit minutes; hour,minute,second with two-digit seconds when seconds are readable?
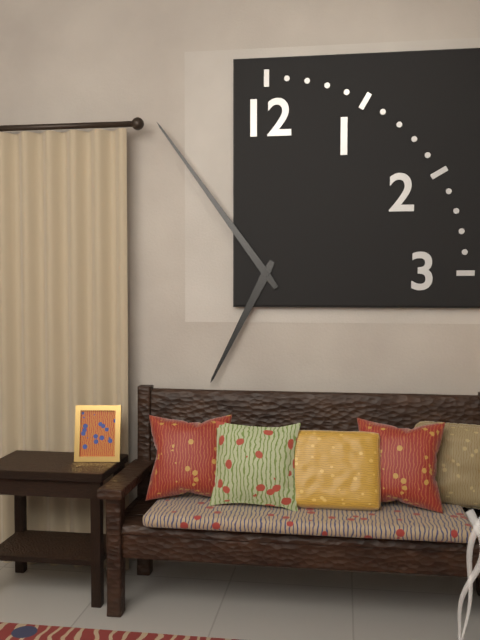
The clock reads 6,54
